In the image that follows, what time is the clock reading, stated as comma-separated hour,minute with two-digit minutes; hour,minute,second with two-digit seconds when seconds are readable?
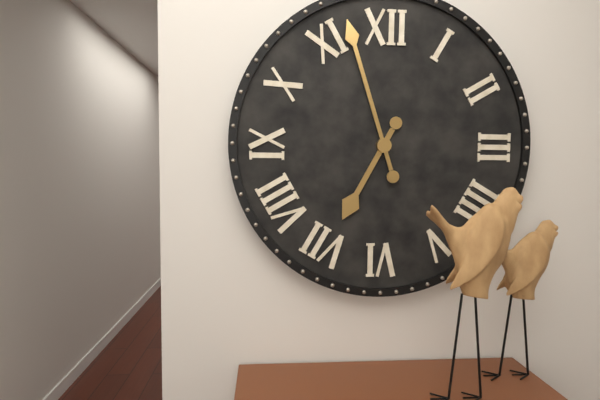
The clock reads 6,57
